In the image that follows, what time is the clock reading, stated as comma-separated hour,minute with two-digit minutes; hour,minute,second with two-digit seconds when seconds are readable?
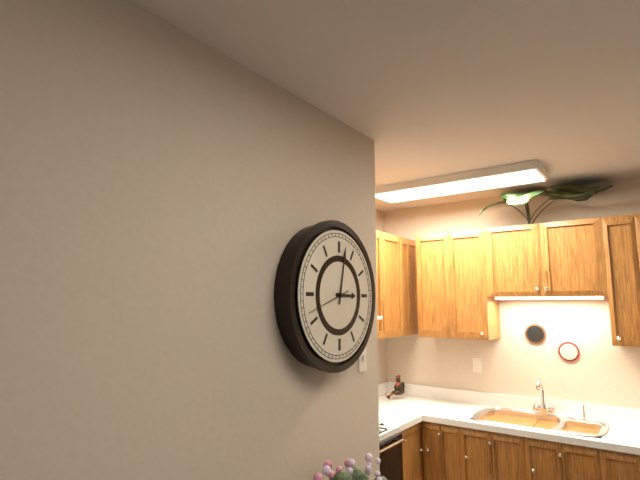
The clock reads 3,02
